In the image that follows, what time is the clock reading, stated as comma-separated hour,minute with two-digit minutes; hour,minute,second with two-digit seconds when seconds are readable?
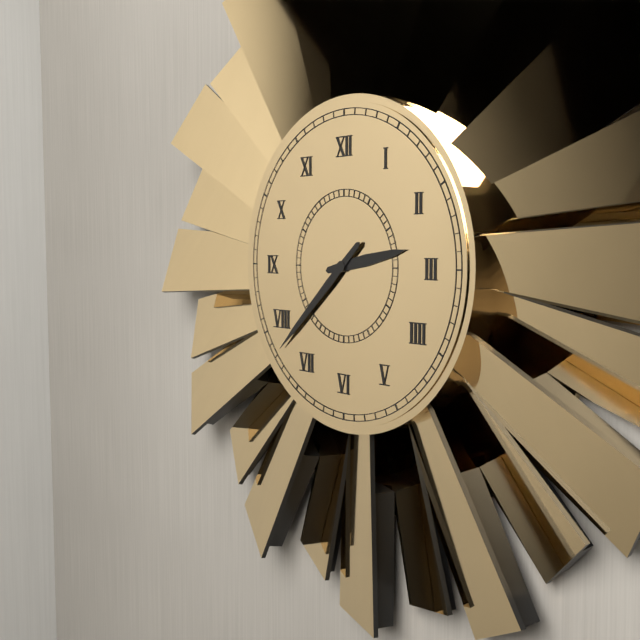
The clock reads 2,38
